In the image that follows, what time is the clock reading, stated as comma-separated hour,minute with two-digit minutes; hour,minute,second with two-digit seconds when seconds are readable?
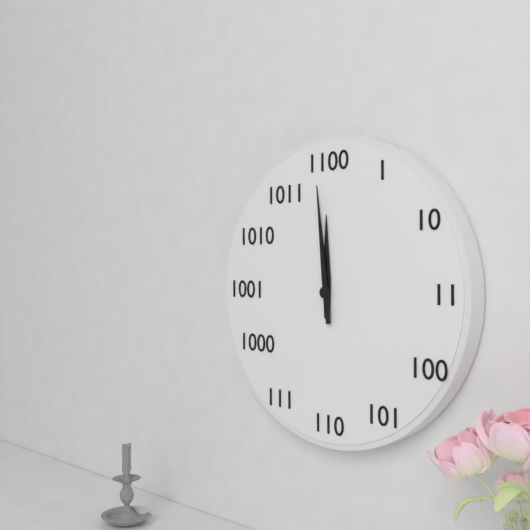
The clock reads 11,59
